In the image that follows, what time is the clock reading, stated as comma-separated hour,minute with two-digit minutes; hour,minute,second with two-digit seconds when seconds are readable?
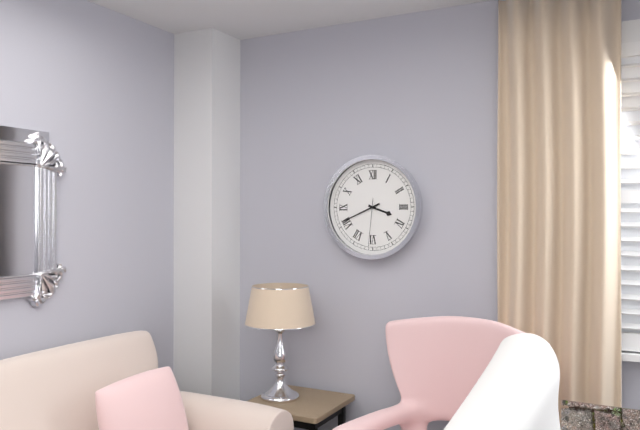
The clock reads 3,41,31
